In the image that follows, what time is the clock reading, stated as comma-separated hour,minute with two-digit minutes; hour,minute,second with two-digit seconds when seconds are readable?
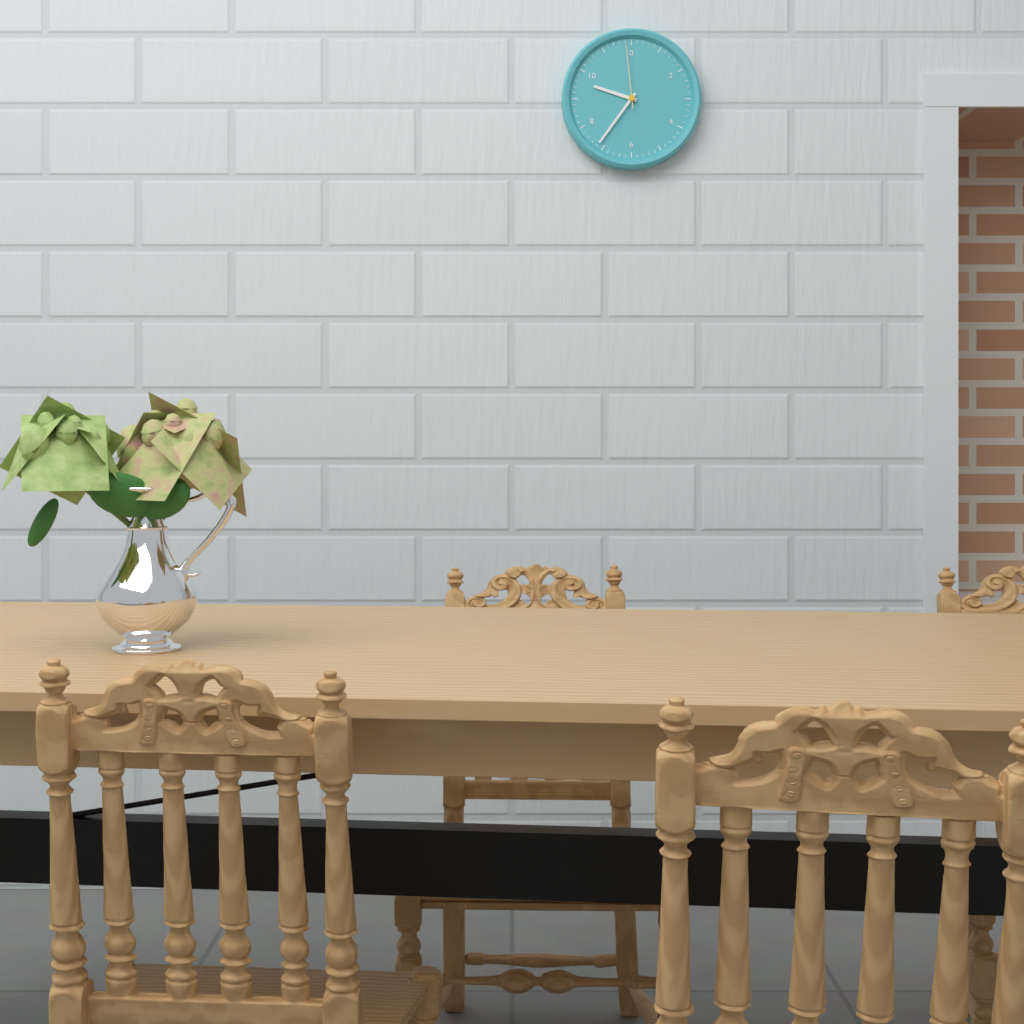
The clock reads 9,36,59
